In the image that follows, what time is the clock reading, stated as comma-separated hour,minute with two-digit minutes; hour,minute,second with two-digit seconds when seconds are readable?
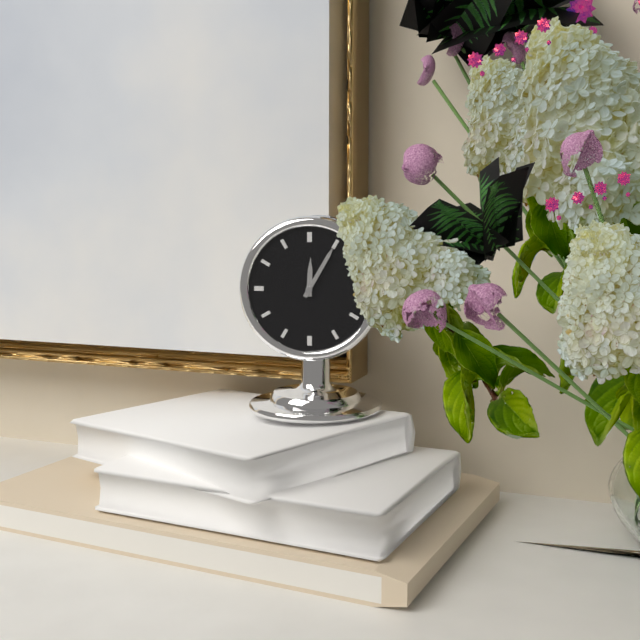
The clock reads 12,05
